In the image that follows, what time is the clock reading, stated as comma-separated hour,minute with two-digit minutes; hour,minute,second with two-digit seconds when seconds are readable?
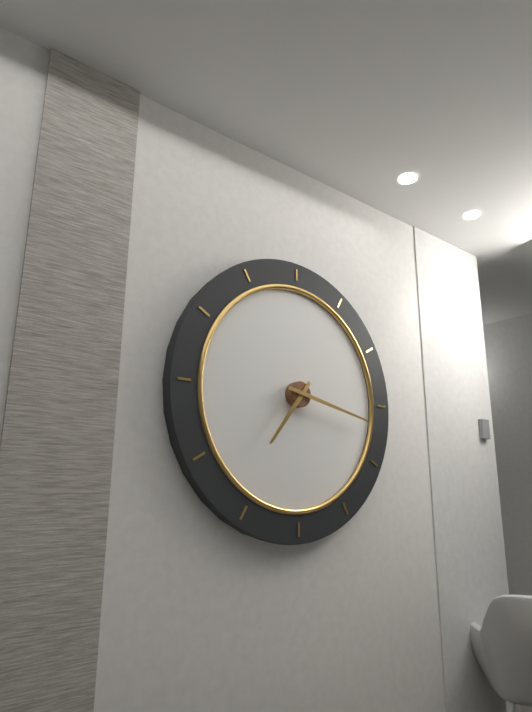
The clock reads 7,17
